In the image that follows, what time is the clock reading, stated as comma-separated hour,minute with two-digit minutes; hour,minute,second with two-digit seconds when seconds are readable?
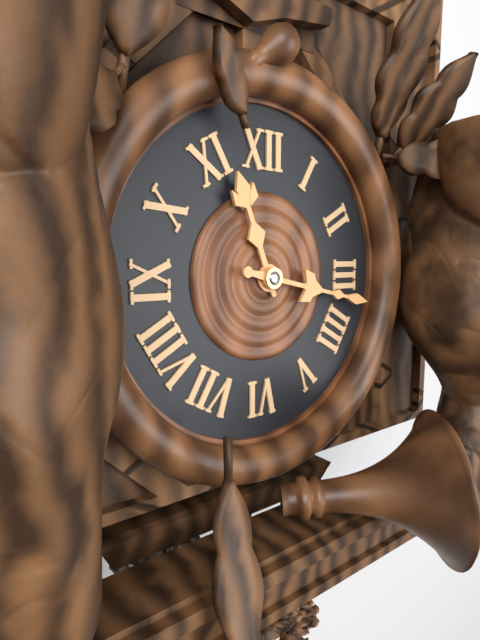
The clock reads 11,17
